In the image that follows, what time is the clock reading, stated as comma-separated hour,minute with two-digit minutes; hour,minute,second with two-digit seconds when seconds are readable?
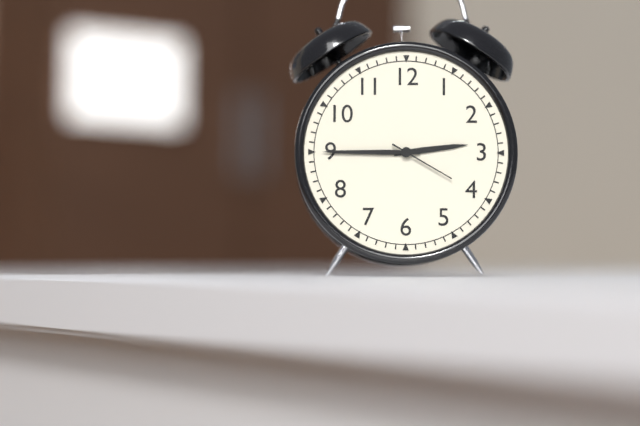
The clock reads 2,45,20
